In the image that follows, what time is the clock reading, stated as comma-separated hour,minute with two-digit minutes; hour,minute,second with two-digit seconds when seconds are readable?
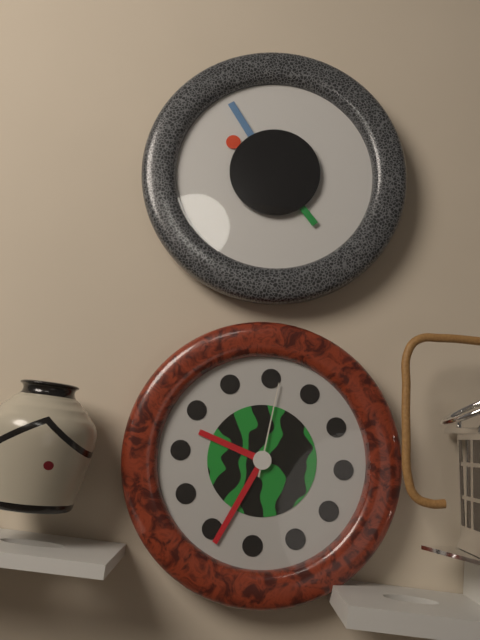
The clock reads 9,34,01
